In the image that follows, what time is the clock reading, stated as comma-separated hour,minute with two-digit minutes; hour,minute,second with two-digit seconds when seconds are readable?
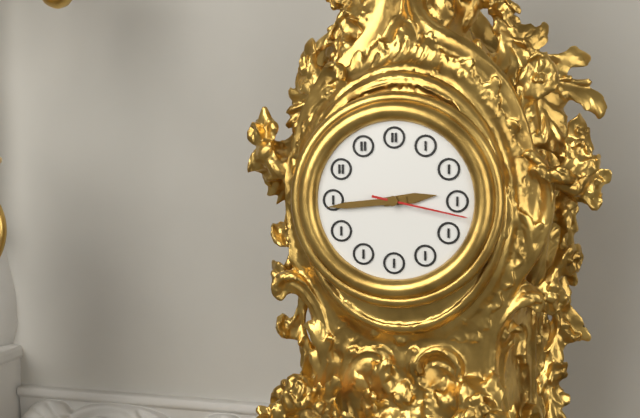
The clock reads 2,44,17
